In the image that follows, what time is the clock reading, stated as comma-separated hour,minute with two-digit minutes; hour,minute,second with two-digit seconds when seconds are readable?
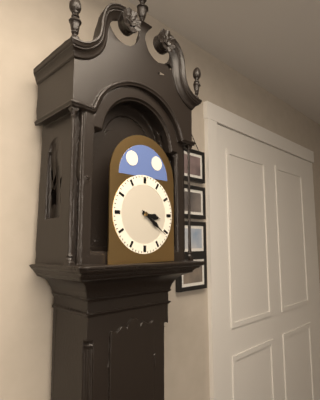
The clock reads 3,21
